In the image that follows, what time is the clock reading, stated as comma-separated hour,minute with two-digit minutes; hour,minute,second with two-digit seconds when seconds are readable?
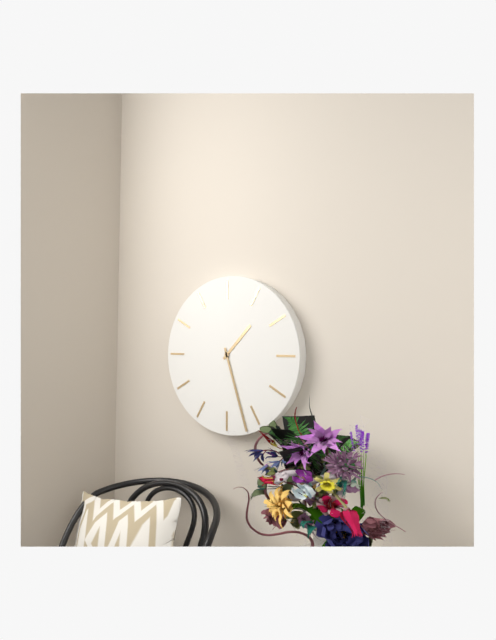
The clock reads 1,27
